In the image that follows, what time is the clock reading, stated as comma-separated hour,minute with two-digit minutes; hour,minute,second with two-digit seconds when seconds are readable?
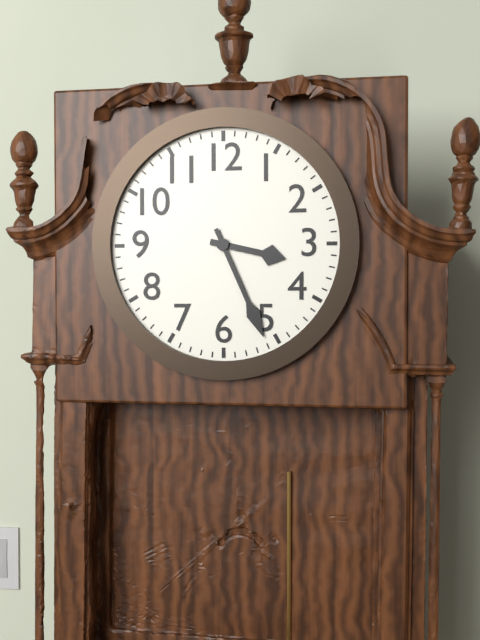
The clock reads 3,26
